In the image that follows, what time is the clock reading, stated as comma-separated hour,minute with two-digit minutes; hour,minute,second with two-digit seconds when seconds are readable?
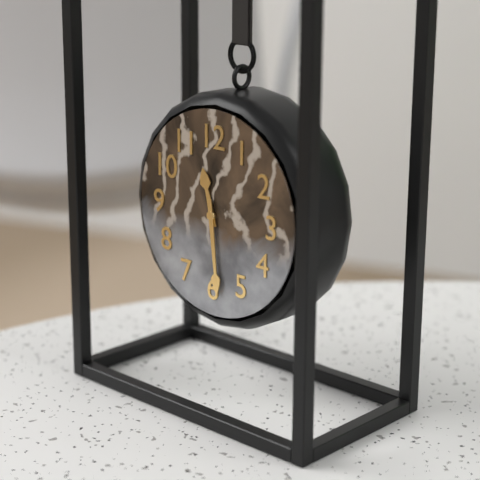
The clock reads 11,29
